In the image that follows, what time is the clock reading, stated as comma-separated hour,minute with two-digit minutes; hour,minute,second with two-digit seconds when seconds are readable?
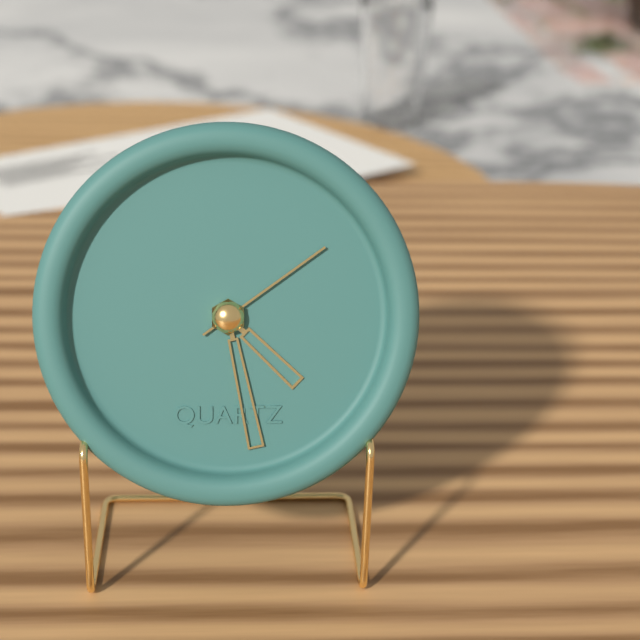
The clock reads 4,28,09
